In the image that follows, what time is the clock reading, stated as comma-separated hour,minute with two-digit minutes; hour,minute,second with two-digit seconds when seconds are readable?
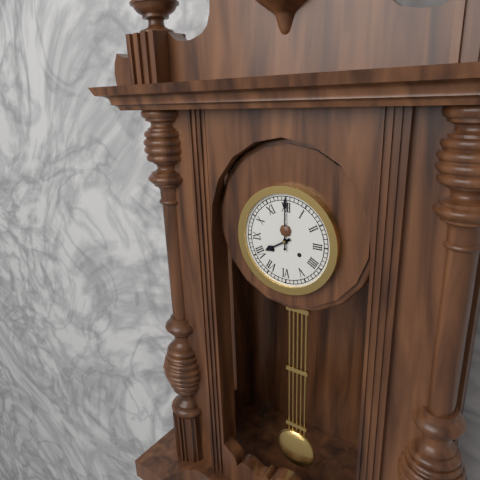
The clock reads 8,00
